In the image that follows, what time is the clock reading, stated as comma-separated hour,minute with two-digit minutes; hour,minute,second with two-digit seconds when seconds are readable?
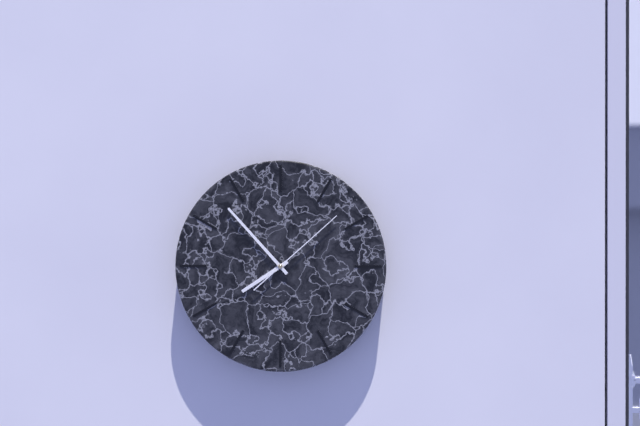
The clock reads 7,53,08
